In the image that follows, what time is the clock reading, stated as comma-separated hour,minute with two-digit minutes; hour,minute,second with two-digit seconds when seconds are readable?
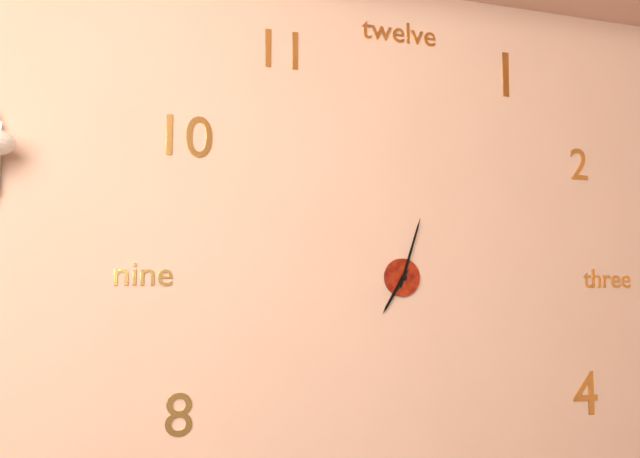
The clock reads 7,03
